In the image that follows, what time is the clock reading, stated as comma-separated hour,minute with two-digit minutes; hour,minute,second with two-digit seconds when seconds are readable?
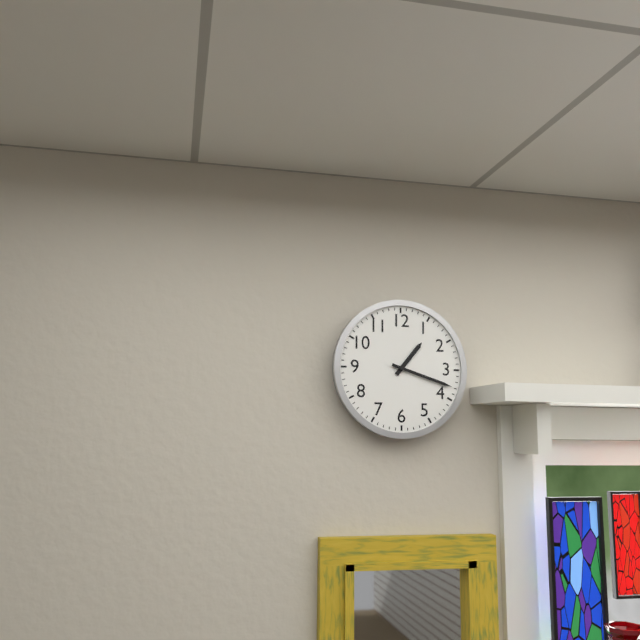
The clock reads 1,18
